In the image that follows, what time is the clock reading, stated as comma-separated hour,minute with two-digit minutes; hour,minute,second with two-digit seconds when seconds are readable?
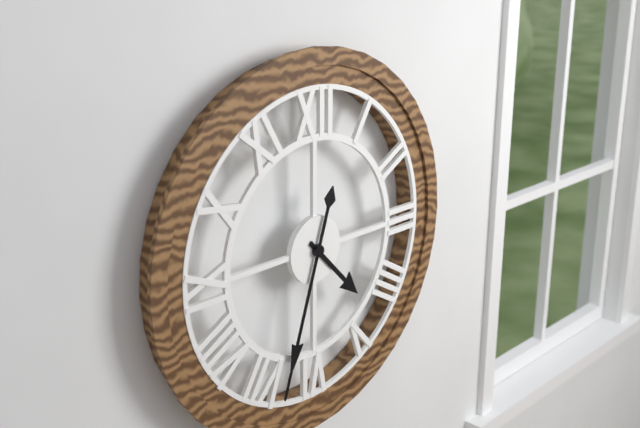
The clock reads 4,33
